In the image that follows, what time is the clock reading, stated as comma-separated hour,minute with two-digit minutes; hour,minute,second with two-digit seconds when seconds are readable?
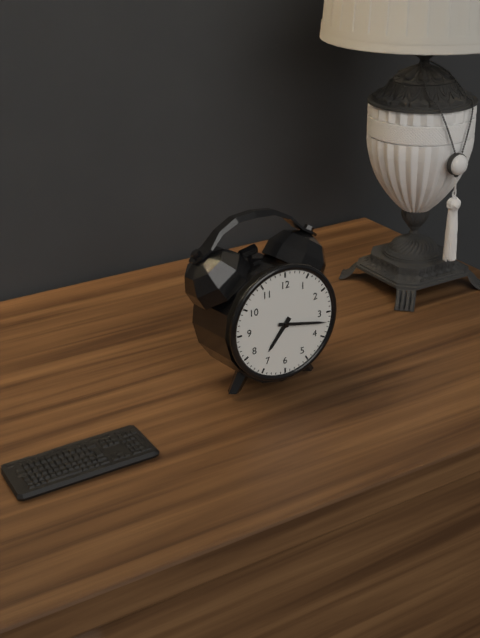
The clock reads 7,17
